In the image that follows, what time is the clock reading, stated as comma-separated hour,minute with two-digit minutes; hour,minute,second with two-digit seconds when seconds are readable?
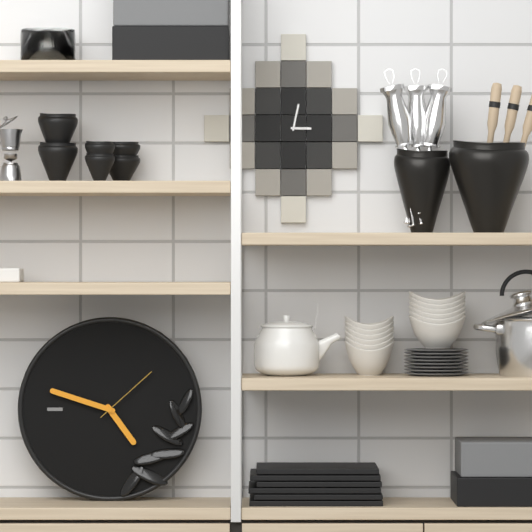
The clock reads 4,48,08
